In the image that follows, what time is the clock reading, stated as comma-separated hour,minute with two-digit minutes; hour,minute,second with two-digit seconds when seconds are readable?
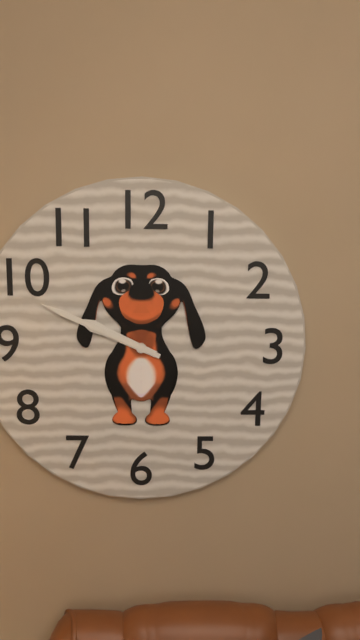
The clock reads 9,49
